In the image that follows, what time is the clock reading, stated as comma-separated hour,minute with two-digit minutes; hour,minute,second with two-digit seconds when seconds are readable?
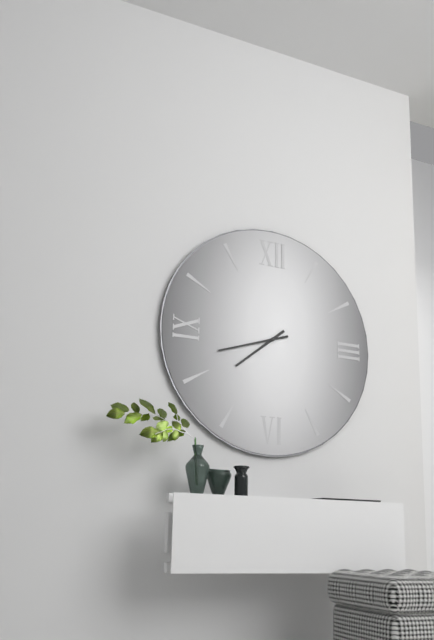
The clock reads 7,42
